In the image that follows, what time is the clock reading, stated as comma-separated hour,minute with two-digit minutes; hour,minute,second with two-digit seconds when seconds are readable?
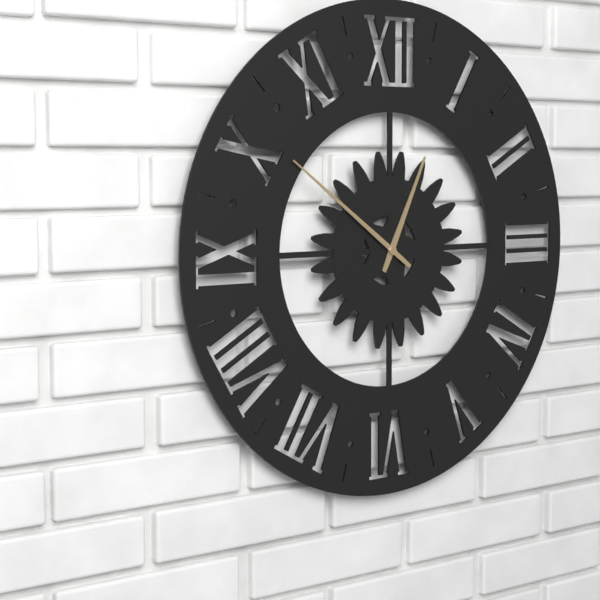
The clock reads 12,51
